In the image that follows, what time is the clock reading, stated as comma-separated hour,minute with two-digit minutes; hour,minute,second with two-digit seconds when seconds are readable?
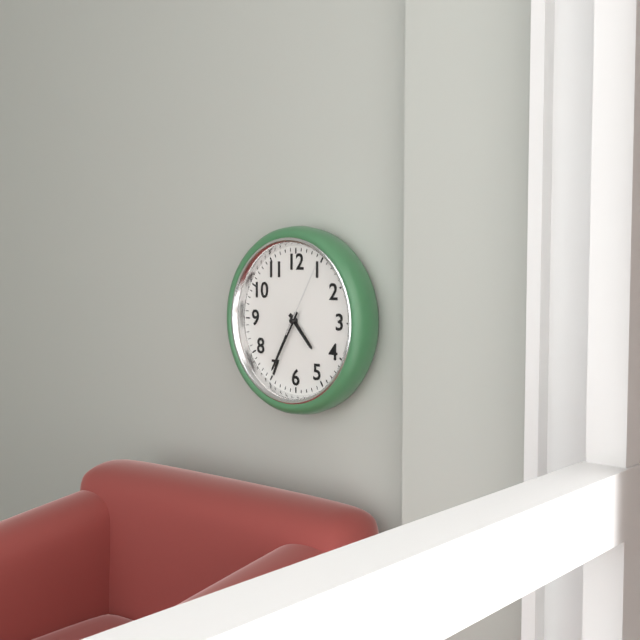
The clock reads 4,35,05
